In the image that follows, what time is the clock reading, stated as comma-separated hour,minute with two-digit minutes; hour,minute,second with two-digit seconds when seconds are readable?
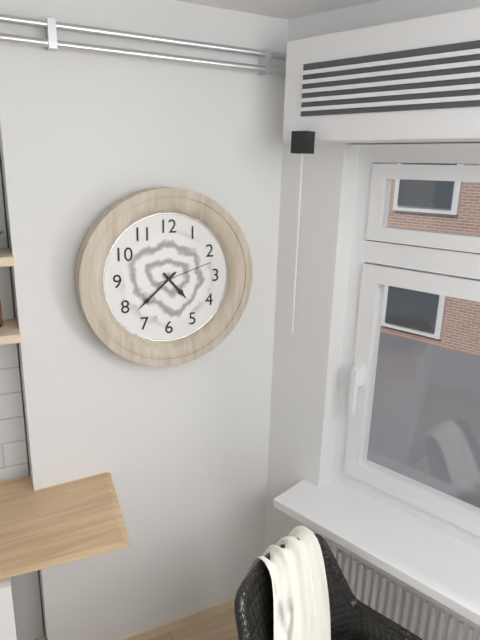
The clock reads 4,38,12
